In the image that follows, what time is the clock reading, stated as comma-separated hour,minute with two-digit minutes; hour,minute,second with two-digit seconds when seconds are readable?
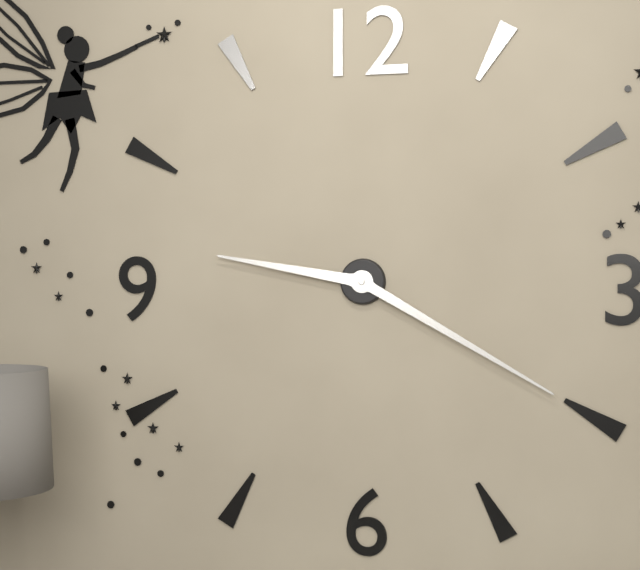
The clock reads 9,20
